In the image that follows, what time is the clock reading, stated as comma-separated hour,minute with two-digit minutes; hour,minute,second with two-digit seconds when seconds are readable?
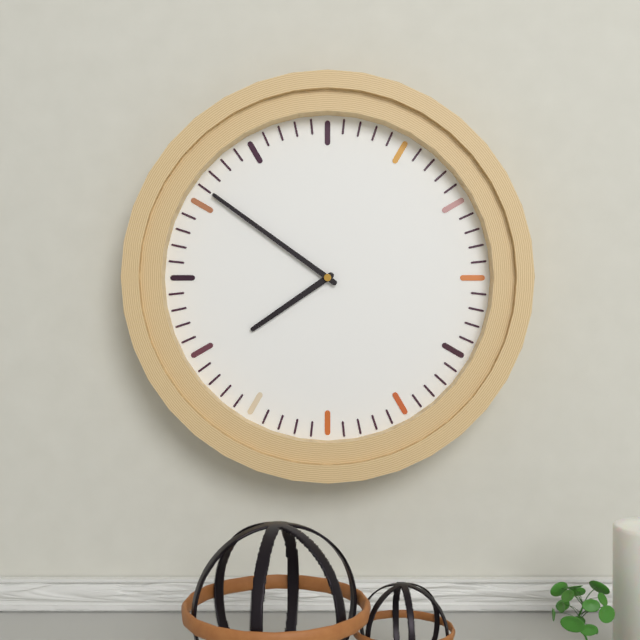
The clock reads 7,51
